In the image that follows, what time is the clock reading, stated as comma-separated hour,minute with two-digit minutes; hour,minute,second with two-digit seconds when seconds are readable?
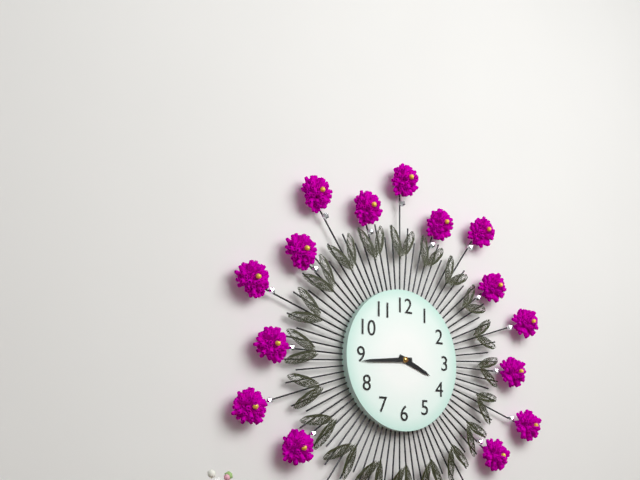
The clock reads 3,44
